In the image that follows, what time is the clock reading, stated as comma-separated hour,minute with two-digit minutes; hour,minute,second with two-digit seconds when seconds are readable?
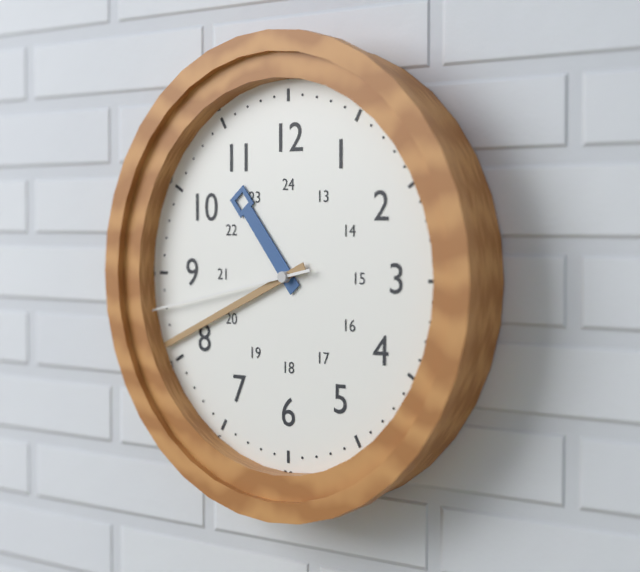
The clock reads 10,41,43
